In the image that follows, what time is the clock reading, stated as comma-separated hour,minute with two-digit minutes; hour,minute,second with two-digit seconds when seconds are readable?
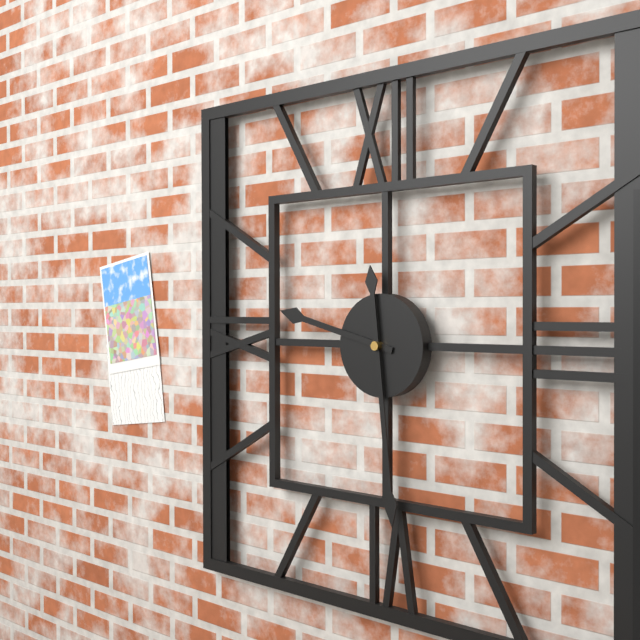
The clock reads 9,29
